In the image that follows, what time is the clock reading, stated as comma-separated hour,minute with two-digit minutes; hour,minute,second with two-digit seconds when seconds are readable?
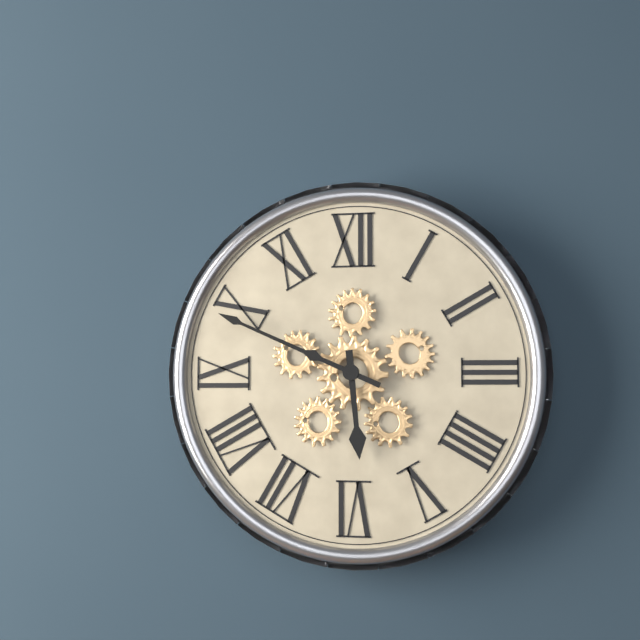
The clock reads 5,49
